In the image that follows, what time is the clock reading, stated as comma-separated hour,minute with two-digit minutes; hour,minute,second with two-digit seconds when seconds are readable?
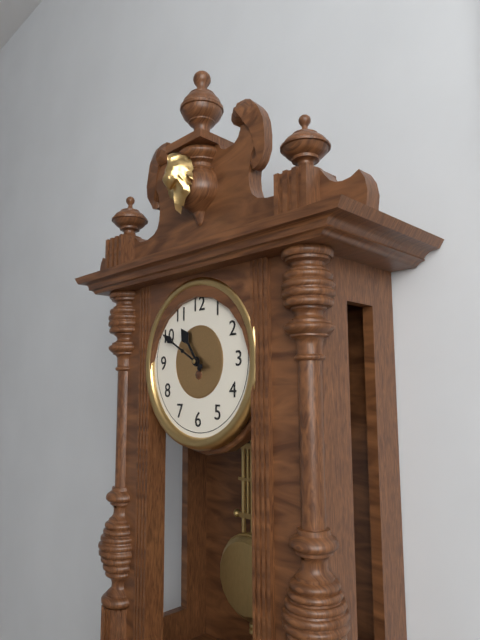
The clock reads 10,50
